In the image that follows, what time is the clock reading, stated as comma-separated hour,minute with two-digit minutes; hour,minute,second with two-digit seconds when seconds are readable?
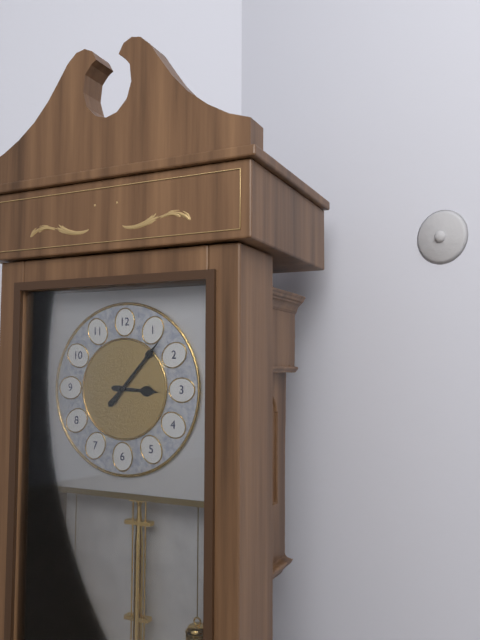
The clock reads 3,07
